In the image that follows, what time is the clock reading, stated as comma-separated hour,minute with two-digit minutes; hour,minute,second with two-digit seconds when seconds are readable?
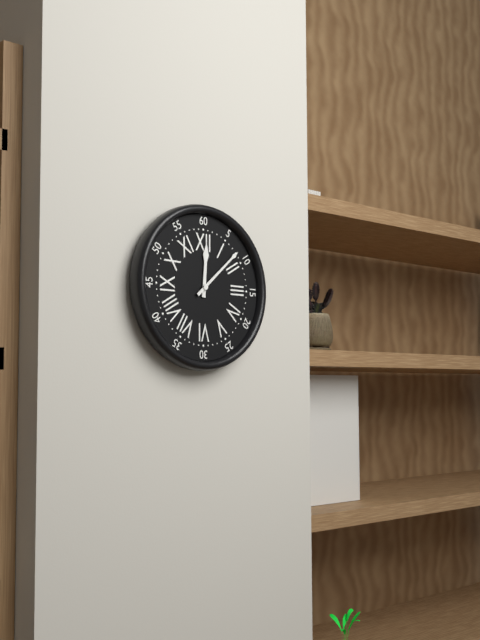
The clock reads 12,08
